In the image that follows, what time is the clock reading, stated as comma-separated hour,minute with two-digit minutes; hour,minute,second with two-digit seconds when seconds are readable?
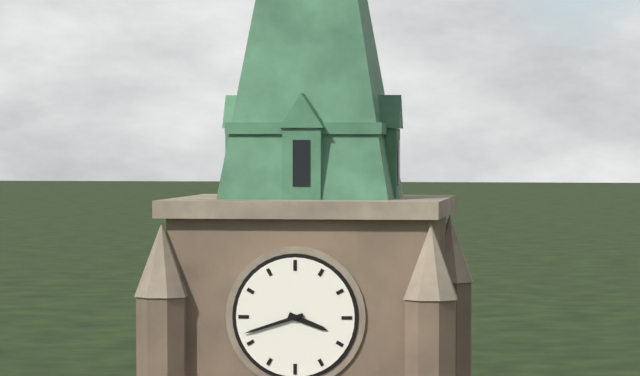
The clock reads 3,42
